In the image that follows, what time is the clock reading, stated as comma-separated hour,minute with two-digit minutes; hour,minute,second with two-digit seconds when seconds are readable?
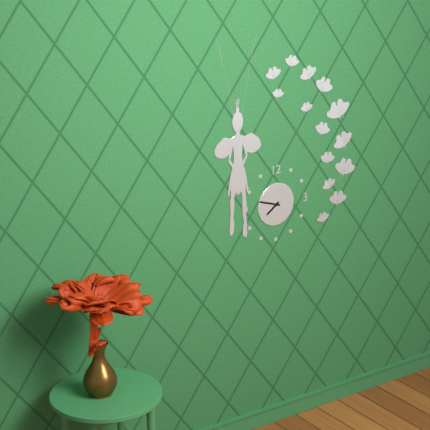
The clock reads 7,48
